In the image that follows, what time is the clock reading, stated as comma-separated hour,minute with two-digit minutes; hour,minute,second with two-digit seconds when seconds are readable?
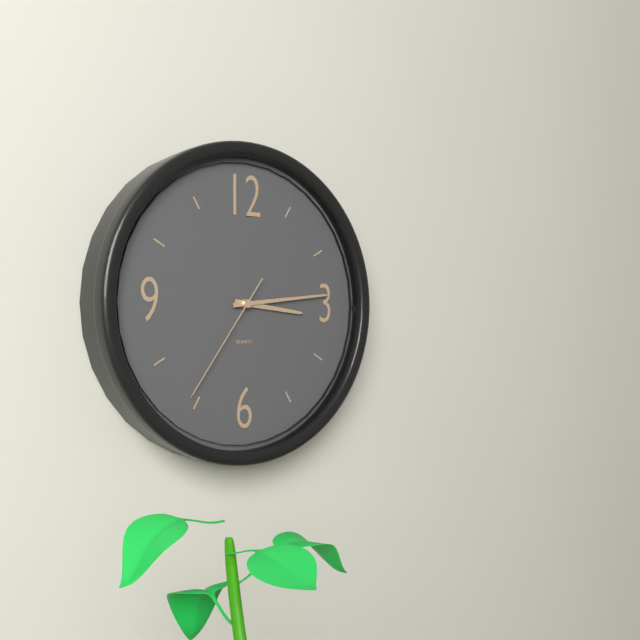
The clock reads 3,14,36
